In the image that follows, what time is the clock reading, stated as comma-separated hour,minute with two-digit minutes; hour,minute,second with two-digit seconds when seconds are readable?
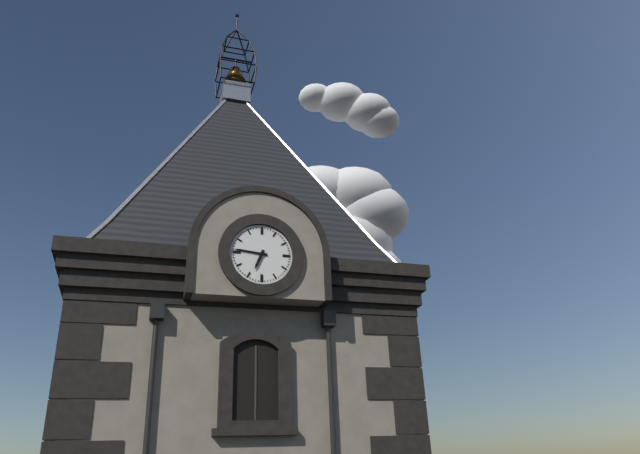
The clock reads 6,46
